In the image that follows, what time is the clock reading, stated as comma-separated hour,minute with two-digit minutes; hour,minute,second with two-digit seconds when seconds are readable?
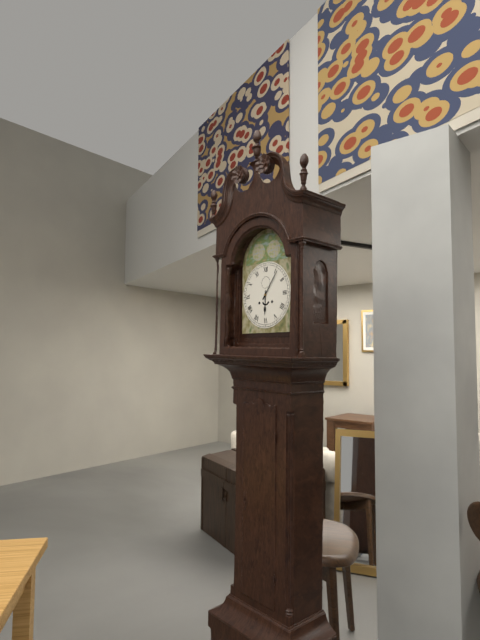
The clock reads 6,06
